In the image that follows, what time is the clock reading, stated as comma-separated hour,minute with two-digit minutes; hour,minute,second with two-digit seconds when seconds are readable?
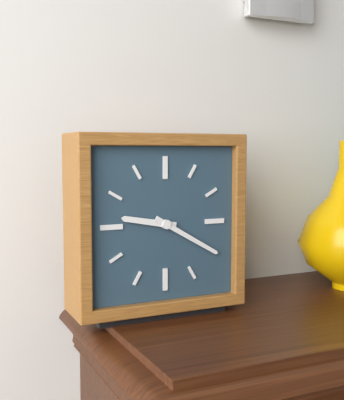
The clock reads 9,20
